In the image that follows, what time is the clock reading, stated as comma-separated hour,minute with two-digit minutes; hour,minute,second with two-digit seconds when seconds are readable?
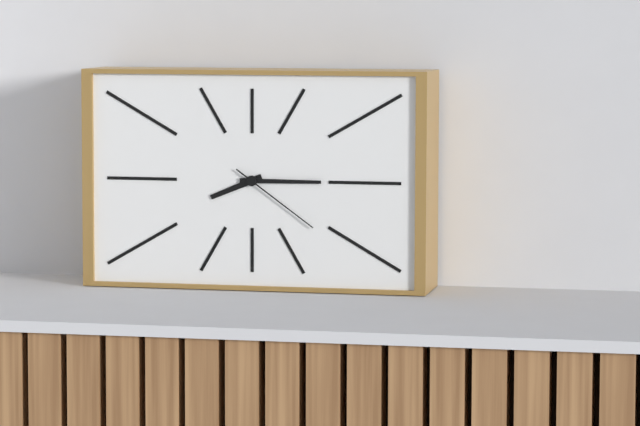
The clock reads 8,15,21
